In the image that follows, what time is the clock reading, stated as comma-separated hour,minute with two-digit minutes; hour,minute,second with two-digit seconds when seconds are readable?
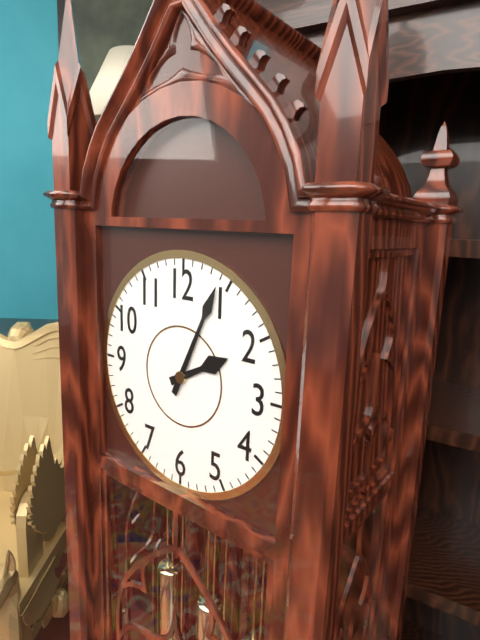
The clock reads 2,04
